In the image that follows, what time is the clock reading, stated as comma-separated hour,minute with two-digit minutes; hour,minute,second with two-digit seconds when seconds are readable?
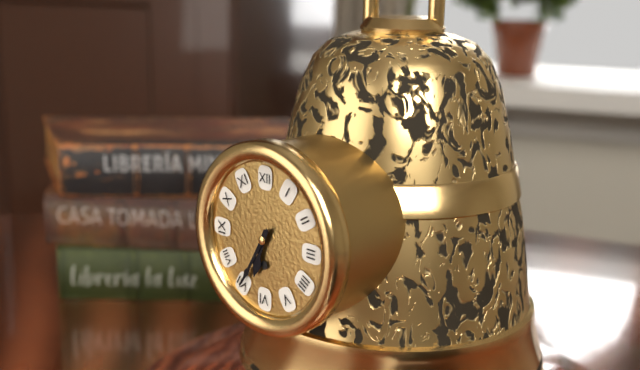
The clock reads 6,35
